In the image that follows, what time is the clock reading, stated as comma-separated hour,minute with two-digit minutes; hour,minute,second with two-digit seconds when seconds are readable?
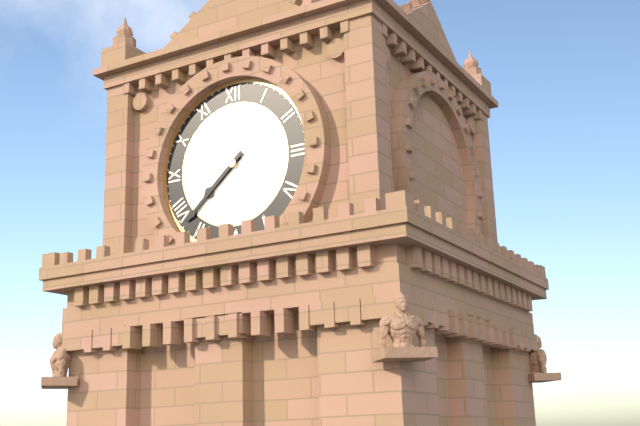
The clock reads 7,38
